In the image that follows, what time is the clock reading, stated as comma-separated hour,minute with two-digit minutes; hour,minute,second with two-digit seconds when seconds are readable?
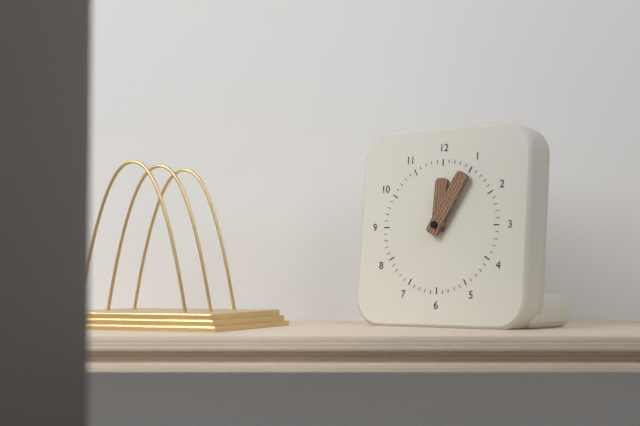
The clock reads 12,05
